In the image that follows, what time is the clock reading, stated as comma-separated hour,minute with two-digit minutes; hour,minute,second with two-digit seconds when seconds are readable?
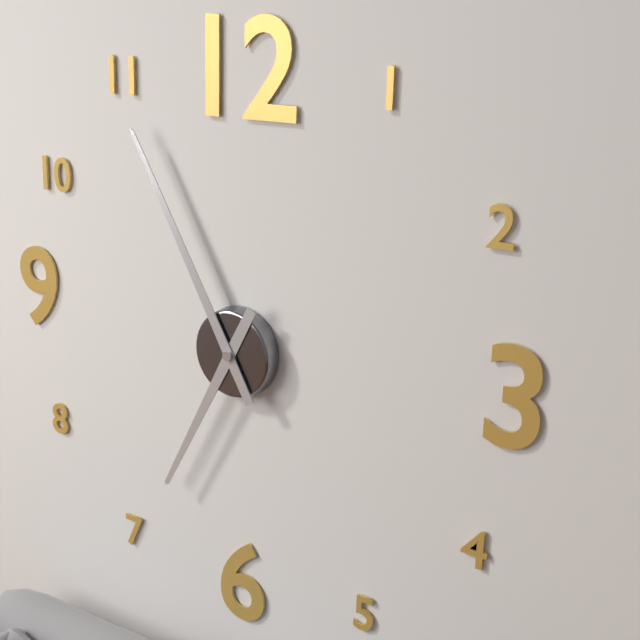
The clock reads 6,55
